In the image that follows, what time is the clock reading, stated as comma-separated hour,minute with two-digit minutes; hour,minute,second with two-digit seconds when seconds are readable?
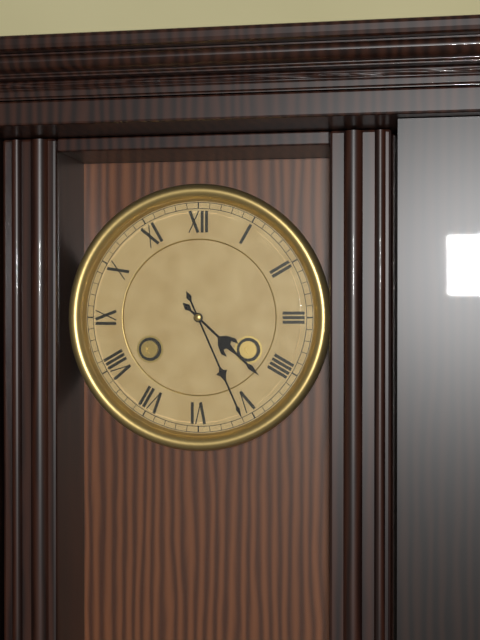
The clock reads 4,26
